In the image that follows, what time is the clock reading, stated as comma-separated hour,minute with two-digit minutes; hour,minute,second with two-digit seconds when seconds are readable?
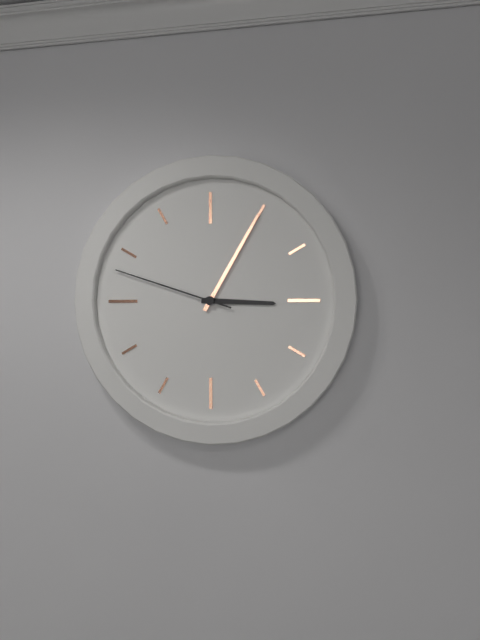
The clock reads 3,05,48
